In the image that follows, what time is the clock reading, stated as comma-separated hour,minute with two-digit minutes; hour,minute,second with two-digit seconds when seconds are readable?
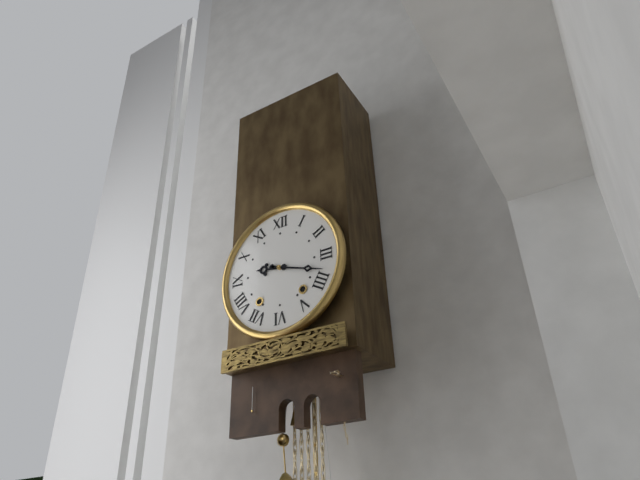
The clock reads 9,18
